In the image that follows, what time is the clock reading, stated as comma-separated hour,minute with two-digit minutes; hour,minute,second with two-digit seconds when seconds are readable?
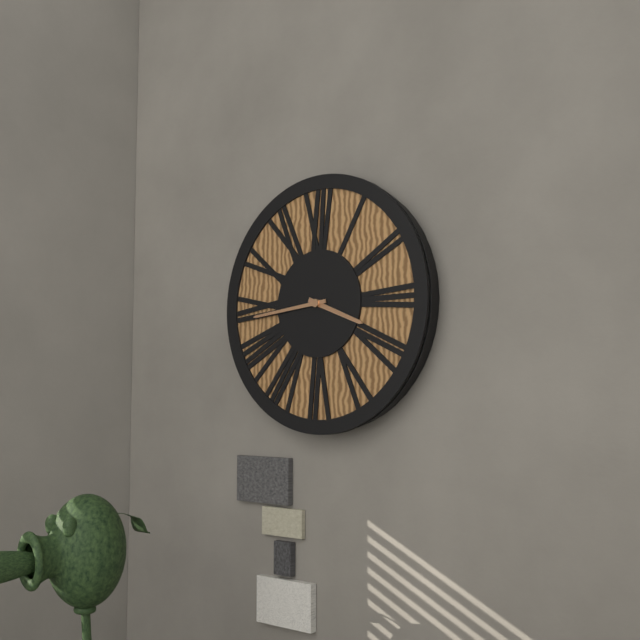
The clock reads 3,44
